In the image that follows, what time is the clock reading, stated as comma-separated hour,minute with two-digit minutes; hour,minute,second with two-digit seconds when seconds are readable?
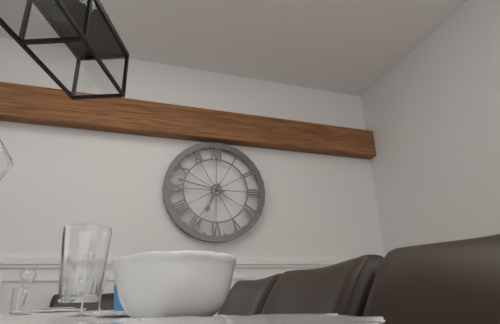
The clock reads 6,47
